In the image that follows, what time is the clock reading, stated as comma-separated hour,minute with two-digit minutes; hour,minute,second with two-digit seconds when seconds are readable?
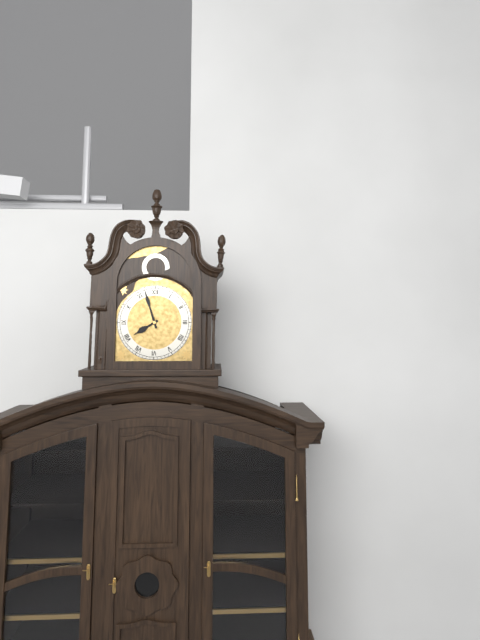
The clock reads 7,57
